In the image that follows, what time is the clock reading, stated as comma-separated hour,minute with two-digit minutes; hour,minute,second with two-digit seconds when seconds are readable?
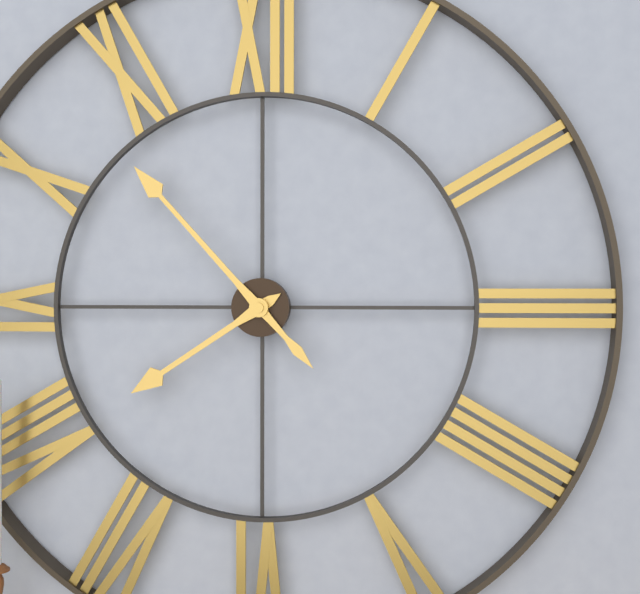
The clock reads 7,53
